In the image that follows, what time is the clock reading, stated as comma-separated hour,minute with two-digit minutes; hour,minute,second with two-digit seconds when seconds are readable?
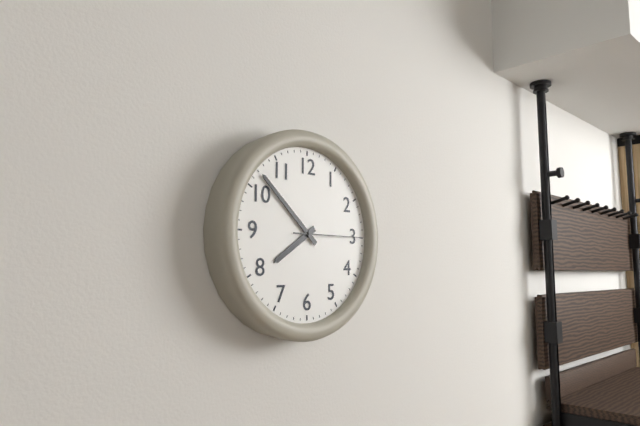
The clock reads 7,52,15
